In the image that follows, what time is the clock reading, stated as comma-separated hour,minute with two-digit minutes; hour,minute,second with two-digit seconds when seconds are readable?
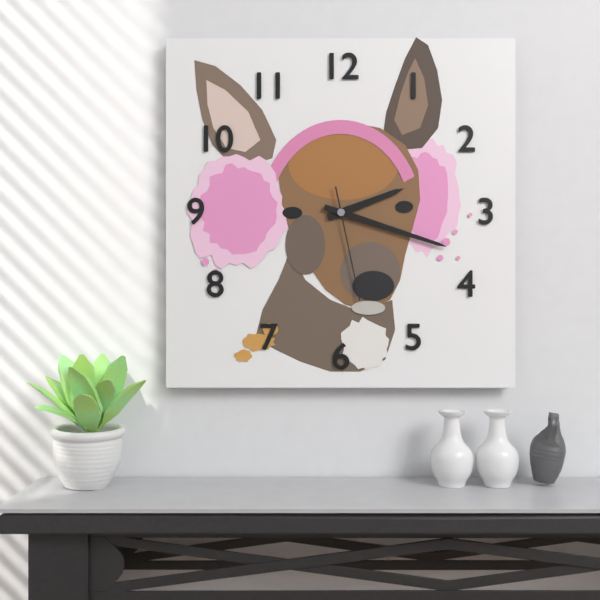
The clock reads 2,18,28
